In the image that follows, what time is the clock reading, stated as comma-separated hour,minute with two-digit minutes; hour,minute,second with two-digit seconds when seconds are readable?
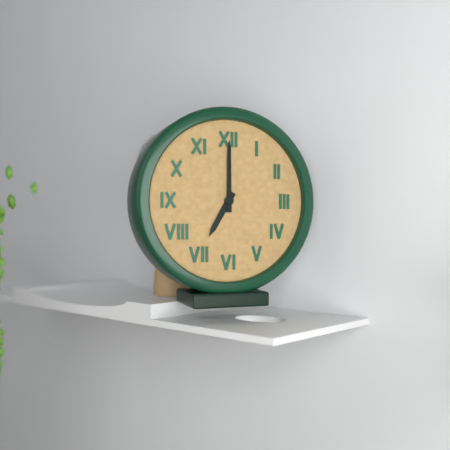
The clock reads 7,00
